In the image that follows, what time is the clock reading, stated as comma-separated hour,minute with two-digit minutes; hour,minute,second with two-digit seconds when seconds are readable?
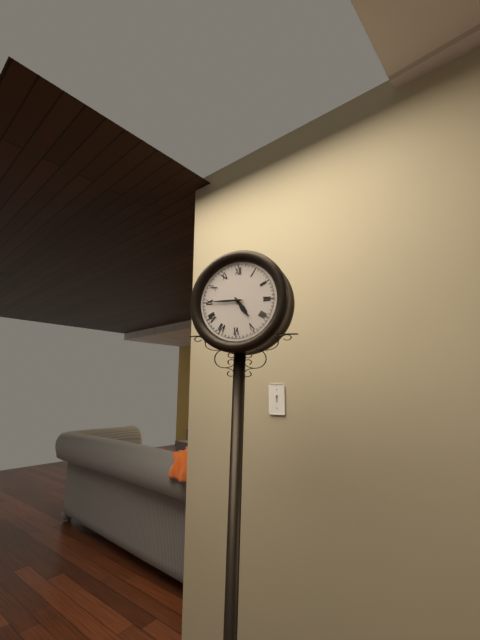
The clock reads 4,45
